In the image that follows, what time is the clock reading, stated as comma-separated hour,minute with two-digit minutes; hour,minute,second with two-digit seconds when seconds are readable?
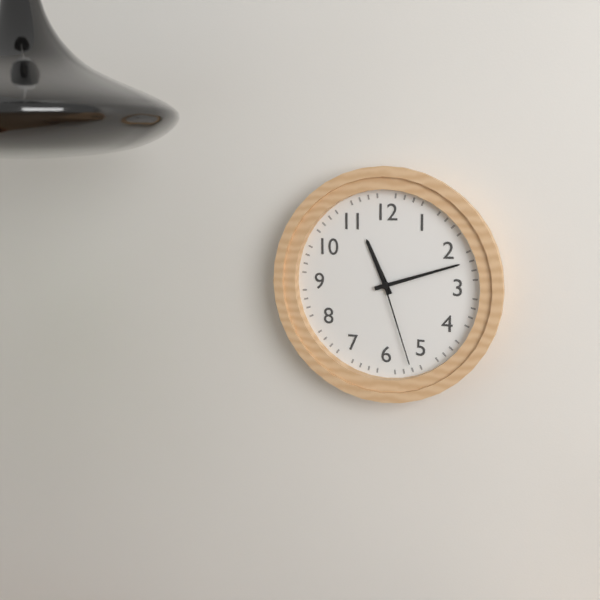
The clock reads 11,12,27
